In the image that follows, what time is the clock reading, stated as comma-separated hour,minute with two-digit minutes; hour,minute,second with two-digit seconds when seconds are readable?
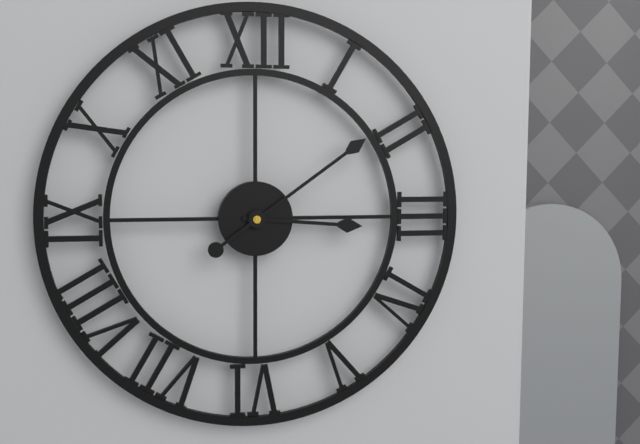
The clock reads 3,09
